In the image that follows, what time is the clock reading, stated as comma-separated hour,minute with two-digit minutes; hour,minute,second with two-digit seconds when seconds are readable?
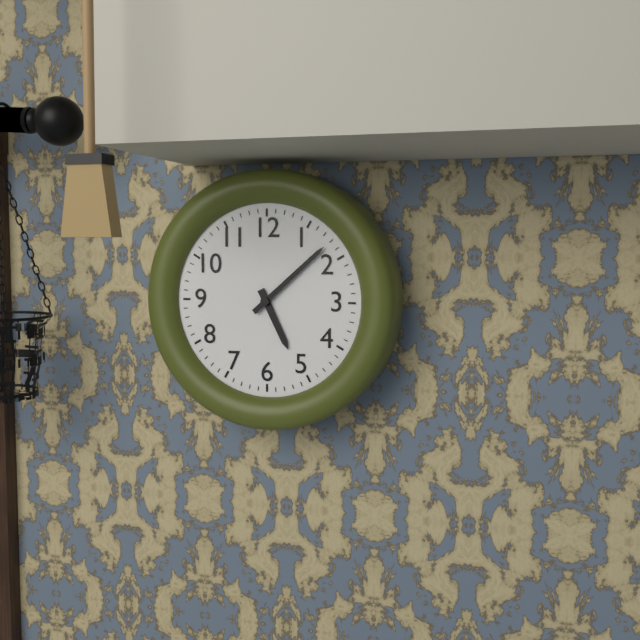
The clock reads 5,08
